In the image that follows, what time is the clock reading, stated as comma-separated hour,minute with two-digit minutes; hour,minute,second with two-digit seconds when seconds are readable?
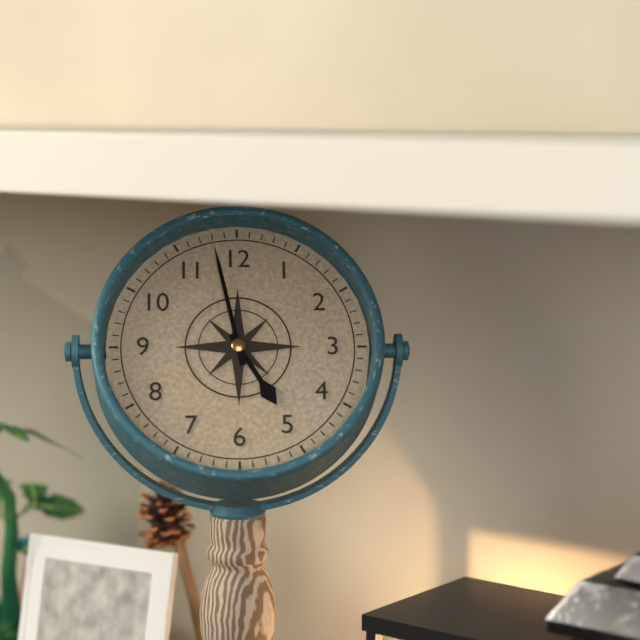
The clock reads 4,58
